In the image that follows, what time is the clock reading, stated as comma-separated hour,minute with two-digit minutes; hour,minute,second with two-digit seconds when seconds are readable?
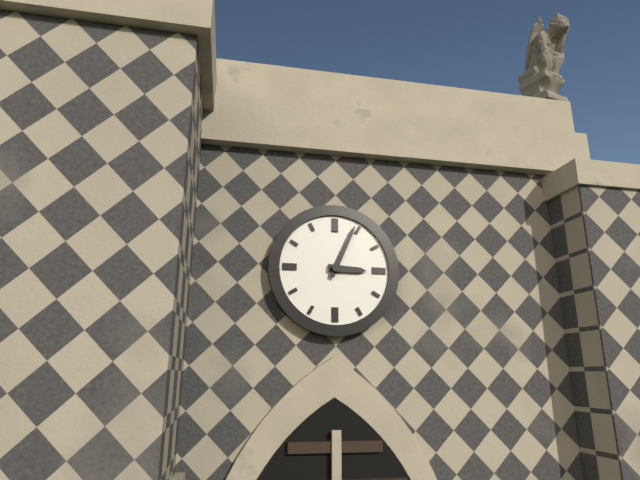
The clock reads 3,04
